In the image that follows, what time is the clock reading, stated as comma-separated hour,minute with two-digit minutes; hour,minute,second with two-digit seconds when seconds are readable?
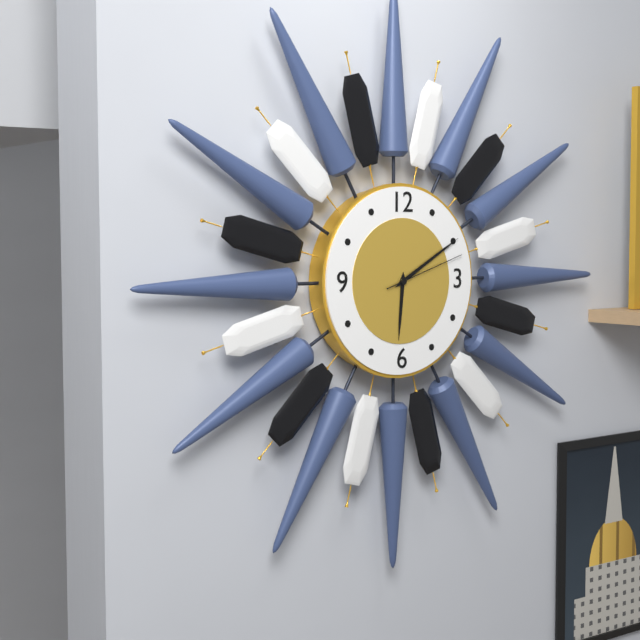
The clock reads 6,10,12
